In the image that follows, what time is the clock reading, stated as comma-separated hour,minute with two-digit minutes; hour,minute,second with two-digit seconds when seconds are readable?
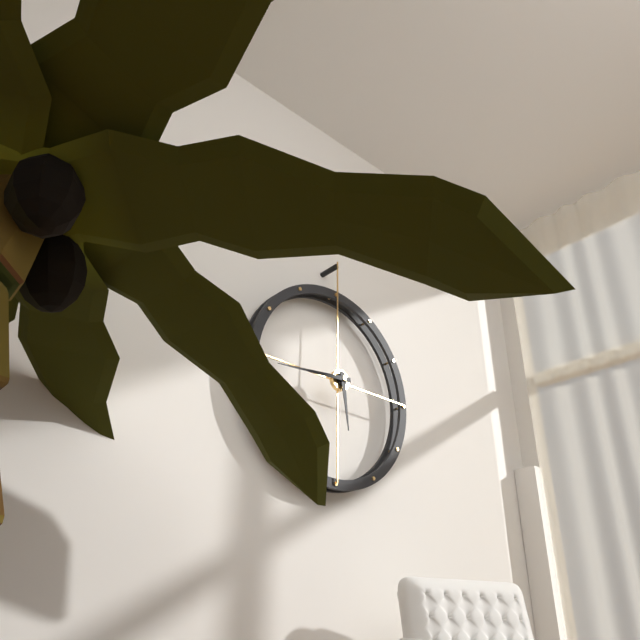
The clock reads 5,44
